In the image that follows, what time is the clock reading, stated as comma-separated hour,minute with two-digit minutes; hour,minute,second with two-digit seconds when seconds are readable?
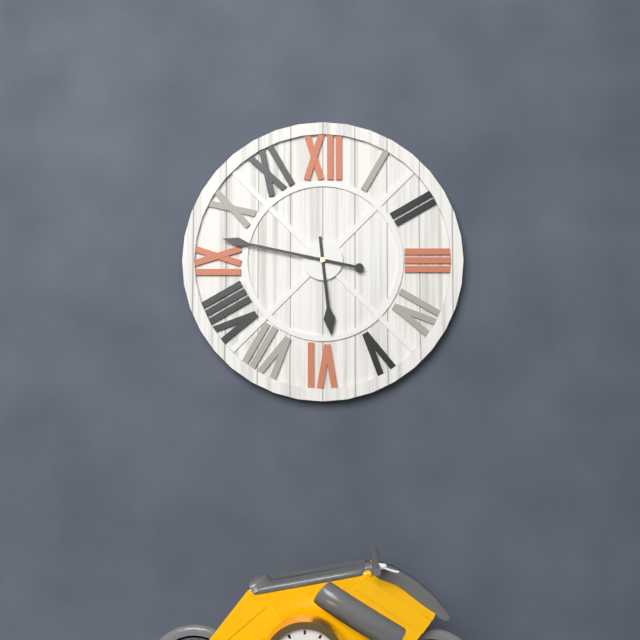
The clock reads 5,47
